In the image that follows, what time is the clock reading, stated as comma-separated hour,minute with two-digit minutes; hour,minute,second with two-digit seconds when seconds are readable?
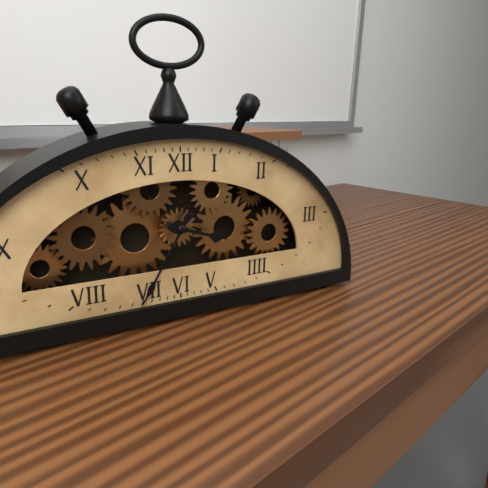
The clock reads 3,35
